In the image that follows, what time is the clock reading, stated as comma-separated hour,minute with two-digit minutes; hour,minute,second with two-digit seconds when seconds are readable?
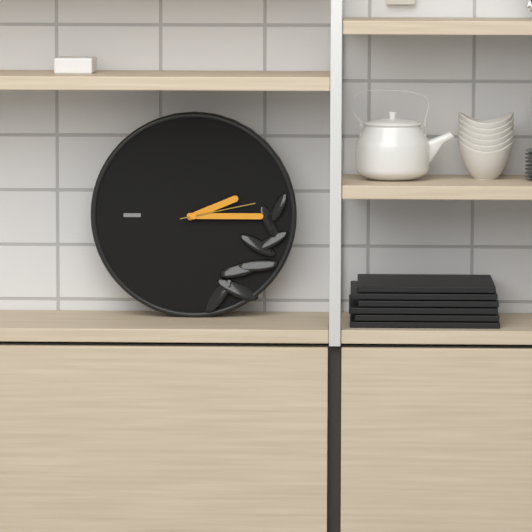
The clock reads 2,15,13
